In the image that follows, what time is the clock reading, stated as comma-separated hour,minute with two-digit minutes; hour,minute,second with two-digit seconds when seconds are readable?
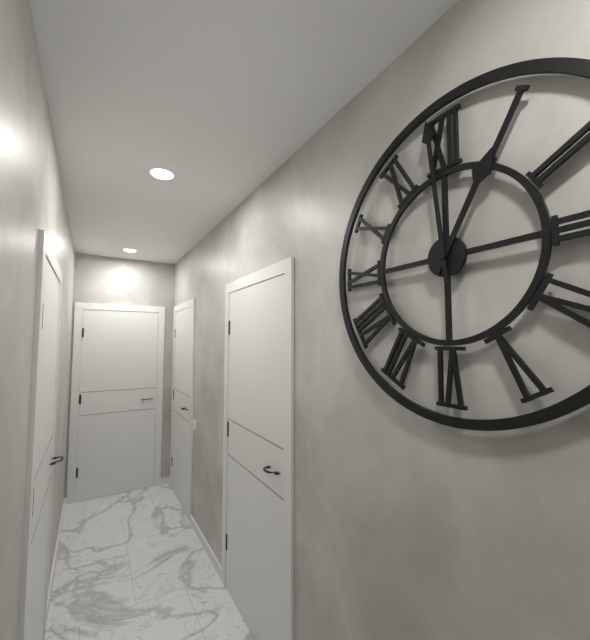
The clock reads 12,59
